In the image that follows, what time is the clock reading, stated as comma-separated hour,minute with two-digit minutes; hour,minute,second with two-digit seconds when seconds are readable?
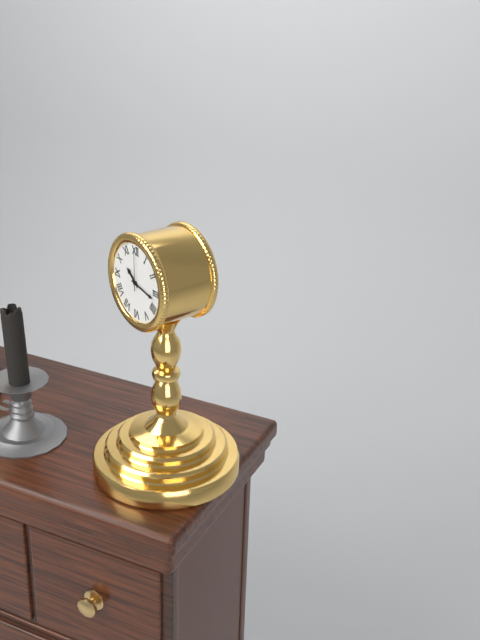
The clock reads 10,17,00
